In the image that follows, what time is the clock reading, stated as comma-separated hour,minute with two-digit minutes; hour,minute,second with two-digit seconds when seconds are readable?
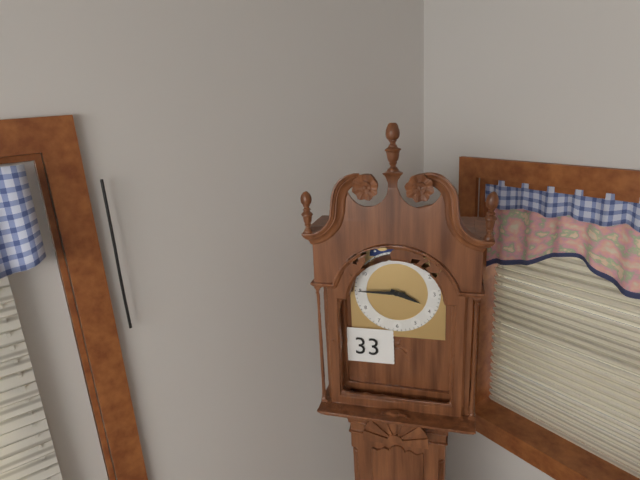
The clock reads 3,45
